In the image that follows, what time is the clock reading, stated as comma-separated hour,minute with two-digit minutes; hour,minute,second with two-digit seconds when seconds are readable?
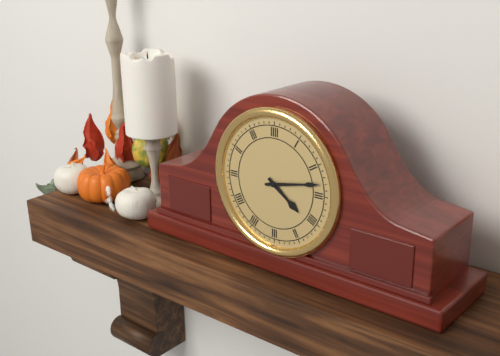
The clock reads 4,13
